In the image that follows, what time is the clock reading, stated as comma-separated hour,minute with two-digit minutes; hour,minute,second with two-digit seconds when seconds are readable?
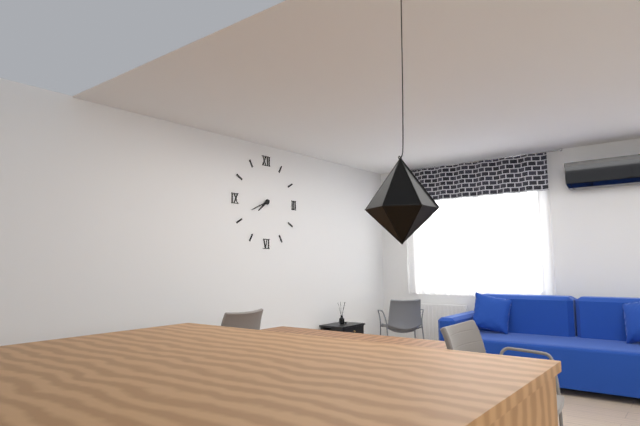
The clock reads 7,41
